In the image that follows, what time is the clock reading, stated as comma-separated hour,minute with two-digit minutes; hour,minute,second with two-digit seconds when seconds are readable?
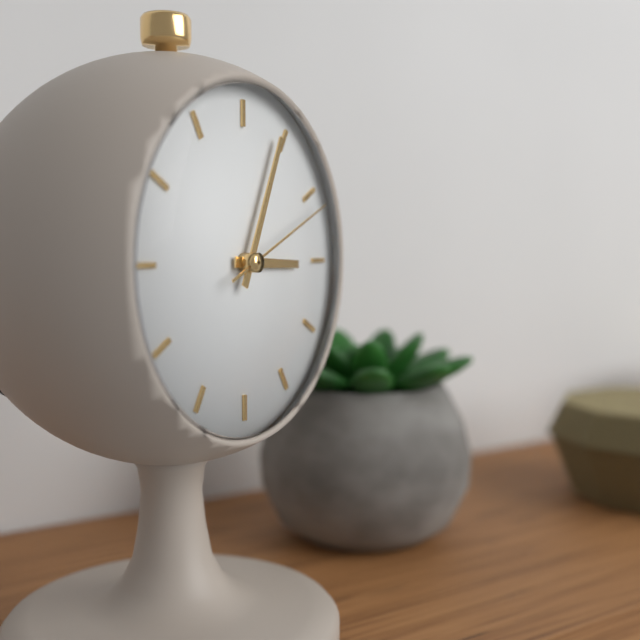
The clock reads 3,04,11
